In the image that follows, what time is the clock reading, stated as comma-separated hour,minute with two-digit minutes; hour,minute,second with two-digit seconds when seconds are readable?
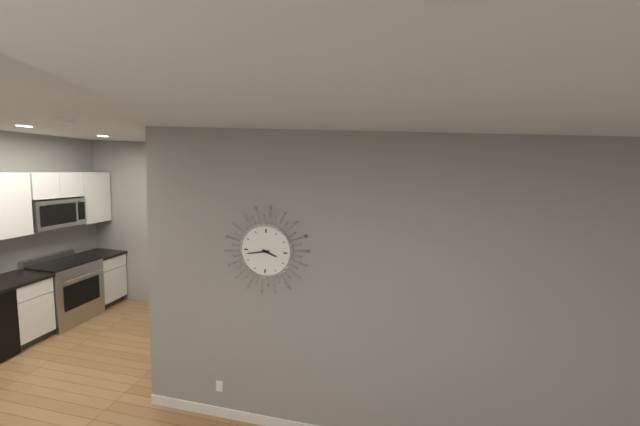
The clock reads 3,43
